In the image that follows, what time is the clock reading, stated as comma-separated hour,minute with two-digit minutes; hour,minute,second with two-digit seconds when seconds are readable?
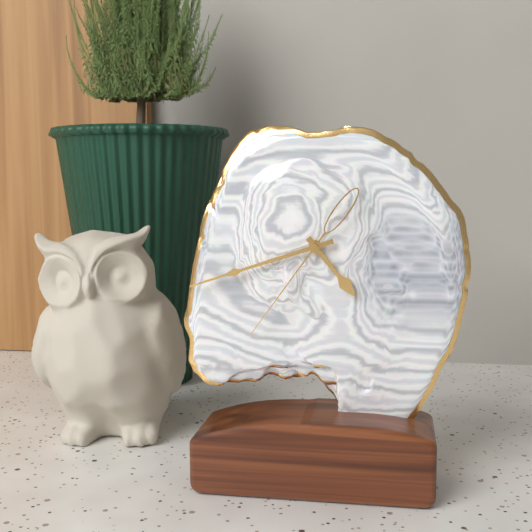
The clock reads 4,42,36
